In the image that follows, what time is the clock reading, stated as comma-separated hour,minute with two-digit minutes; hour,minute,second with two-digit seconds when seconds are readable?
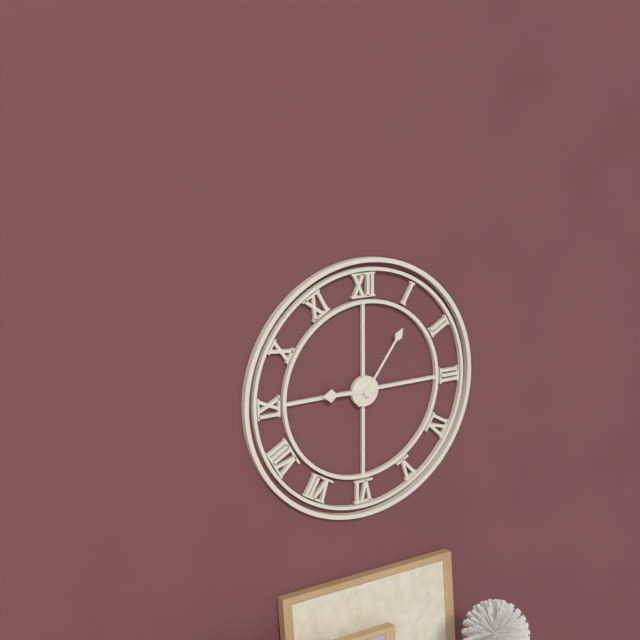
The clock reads 9,06
